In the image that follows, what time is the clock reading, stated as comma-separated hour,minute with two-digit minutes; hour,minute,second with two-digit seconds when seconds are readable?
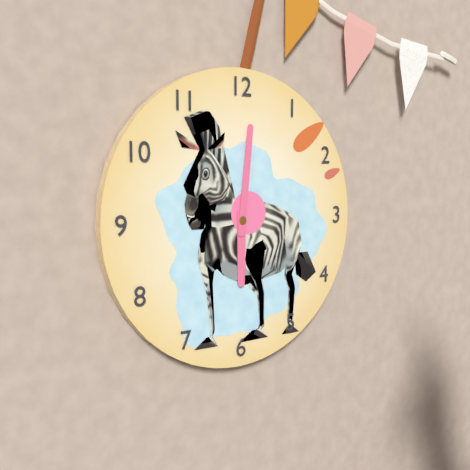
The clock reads 6,01
